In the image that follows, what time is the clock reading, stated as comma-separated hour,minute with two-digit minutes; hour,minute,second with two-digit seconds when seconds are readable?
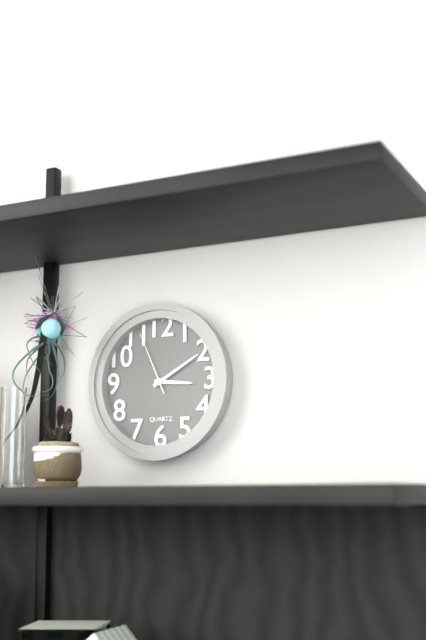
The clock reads 3,10,56
